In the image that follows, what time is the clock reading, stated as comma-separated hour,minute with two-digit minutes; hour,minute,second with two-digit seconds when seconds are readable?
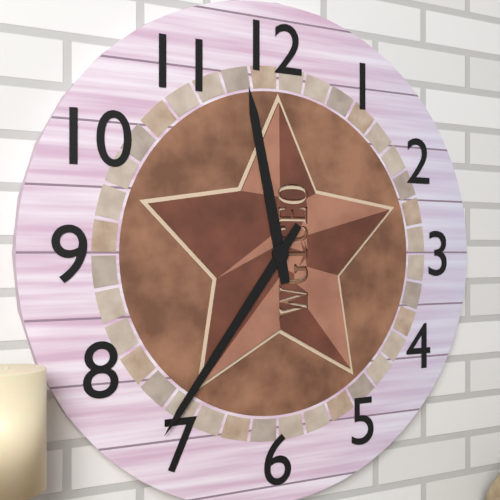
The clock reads 11,36
